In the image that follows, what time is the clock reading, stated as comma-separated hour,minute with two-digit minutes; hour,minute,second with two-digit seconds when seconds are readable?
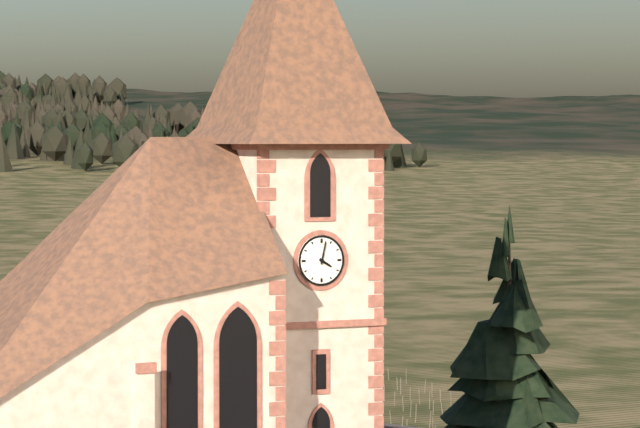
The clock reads 4,02
